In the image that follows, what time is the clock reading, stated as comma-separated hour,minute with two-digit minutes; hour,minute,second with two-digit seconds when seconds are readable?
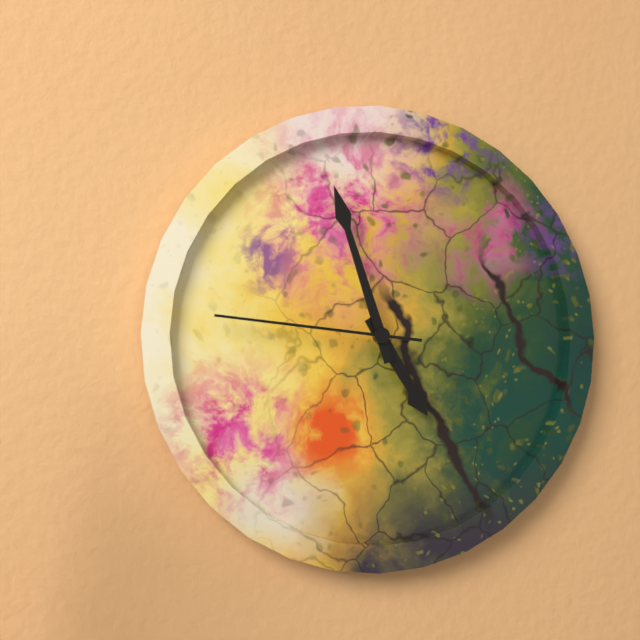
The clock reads 4,57,46
